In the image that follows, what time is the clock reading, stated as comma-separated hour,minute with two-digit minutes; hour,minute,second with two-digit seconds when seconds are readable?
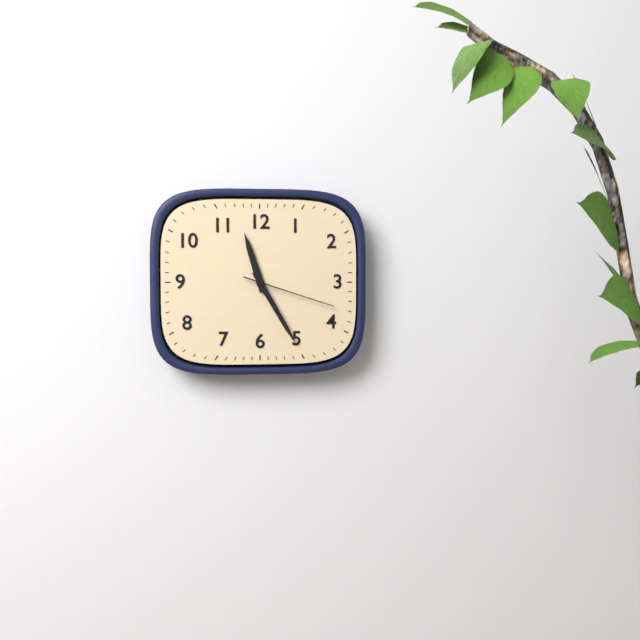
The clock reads 11,25,18
